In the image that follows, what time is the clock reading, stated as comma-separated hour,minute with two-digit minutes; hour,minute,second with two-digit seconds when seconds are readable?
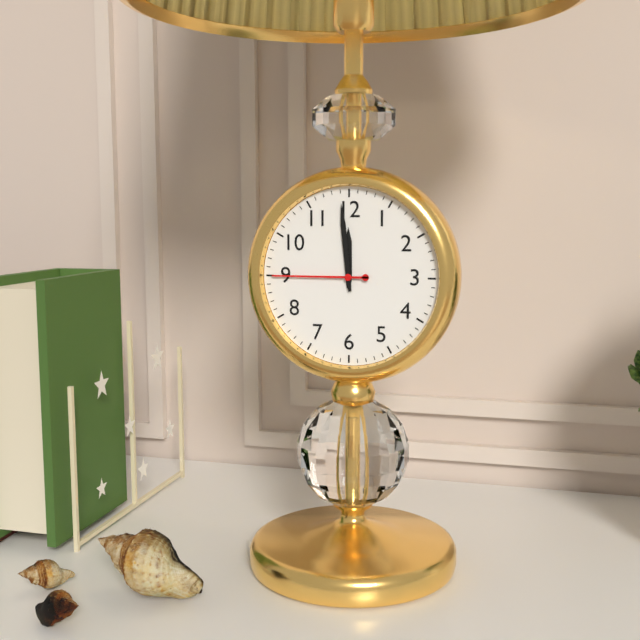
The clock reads 11,59,45
